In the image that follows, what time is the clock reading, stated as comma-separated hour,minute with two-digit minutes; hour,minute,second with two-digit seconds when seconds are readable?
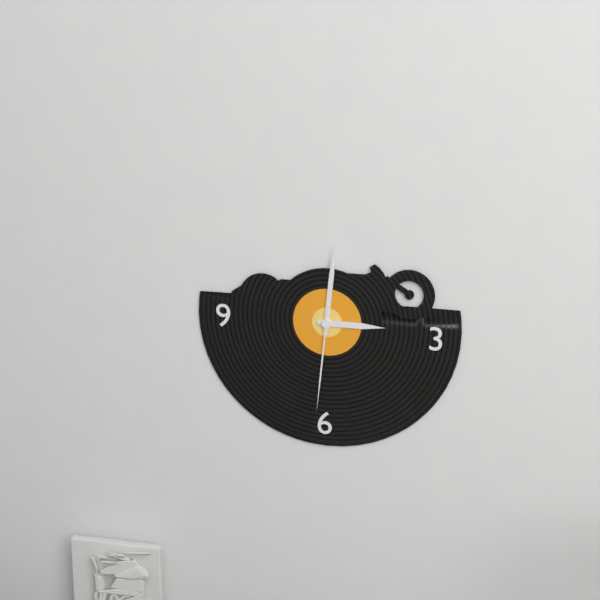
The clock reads 3,01,31
